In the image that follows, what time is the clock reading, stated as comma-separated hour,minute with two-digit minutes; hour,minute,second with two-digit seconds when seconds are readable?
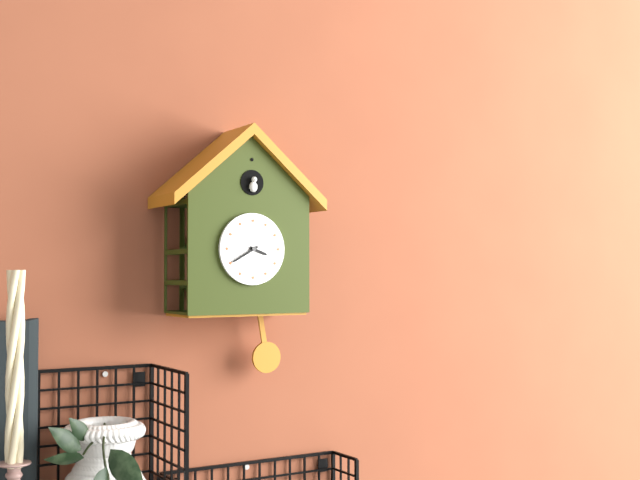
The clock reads 3,40
